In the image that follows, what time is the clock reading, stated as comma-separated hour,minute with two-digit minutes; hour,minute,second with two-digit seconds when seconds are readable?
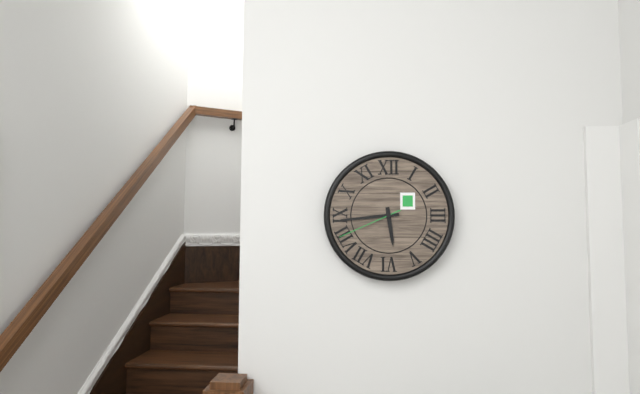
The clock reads 5,44,41
